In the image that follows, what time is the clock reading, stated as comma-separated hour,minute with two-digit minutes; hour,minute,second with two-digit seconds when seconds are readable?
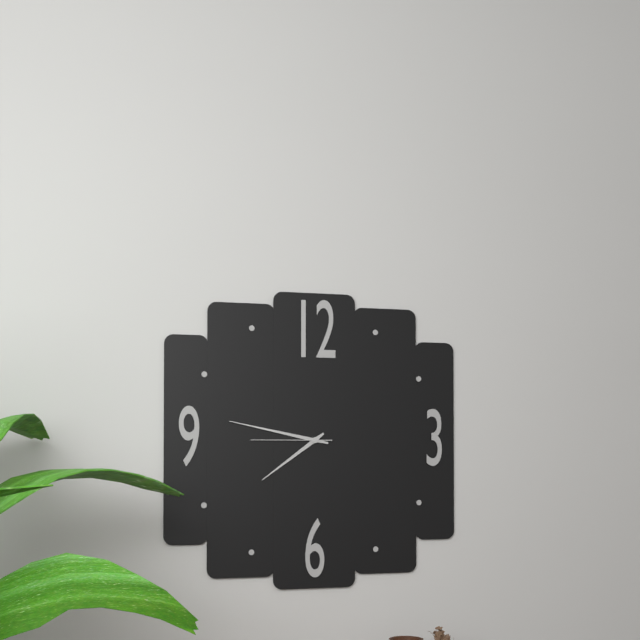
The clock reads 7,47,45
